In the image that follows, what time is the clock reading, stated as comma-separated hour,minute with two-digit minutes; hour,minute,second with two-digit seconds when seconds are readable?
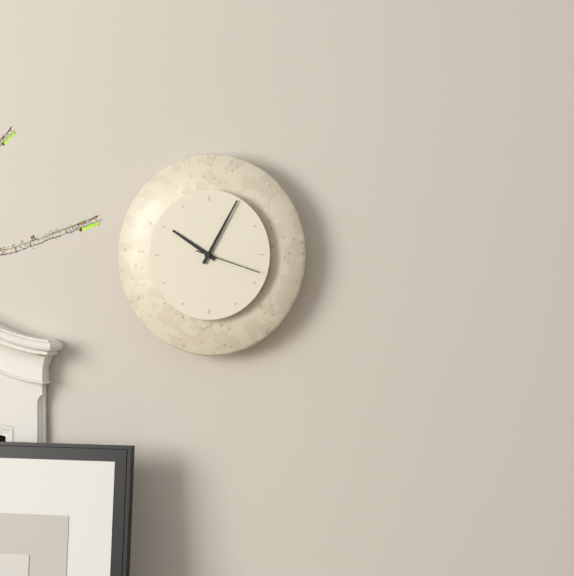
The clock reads 10,05,18
